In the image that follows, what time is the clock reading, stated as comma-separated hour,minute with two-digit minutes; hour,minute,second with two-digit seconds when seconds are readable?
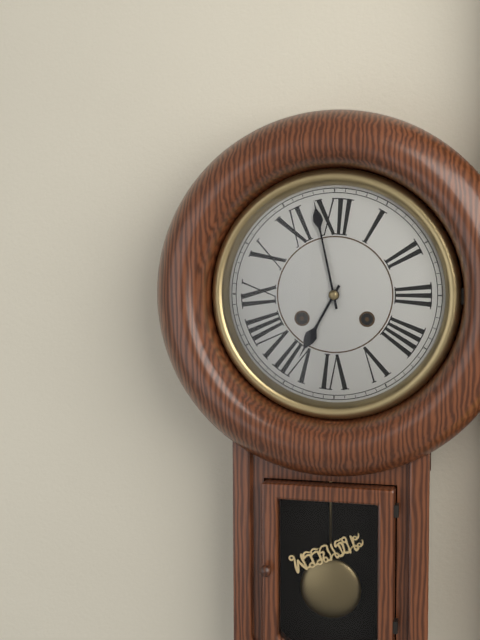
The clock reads 6,58
